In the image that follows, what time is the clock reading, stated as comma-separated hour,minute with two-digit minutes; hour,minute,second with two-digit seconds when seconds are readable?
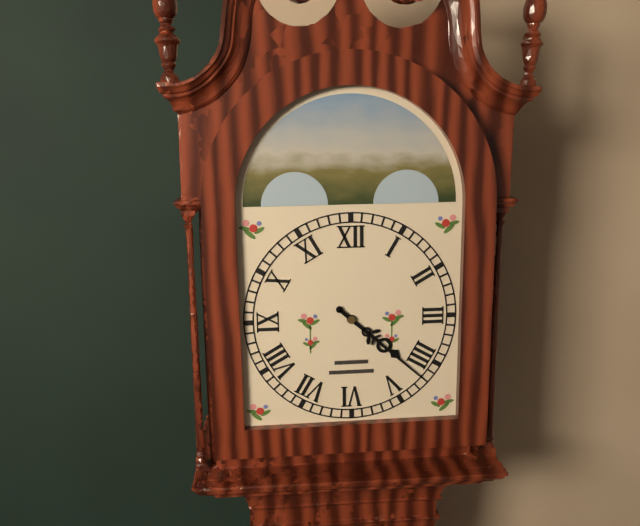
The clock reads 4,22
